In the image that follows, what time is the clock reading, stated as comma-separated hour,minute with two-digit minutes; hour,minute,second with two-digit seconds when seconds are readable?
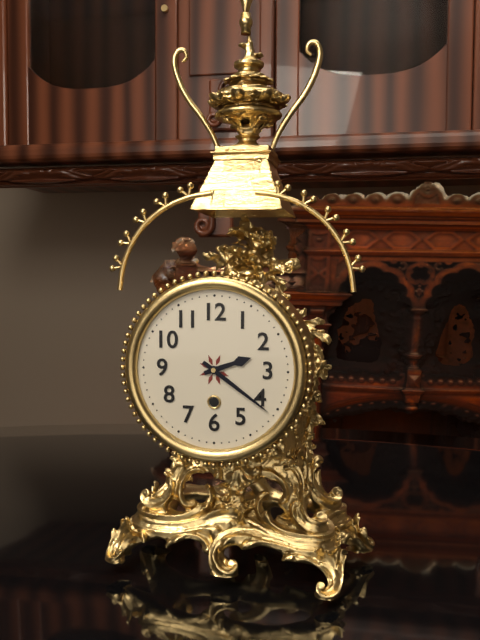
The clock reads 2,21
